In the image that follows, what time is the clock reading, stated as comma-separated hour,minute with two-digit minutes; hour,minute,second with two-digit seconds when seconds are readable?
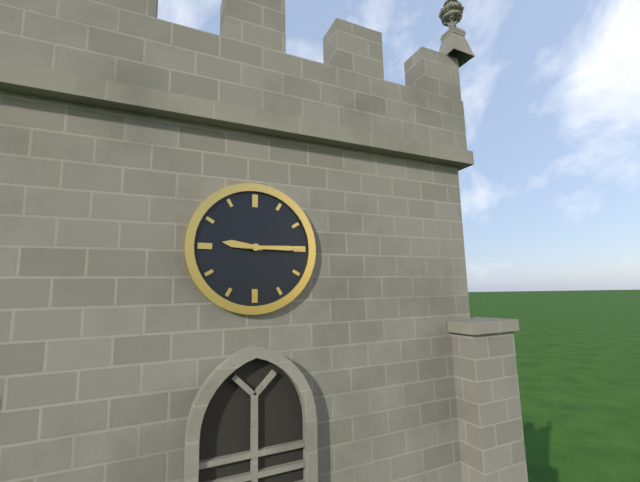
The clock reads 9,15
